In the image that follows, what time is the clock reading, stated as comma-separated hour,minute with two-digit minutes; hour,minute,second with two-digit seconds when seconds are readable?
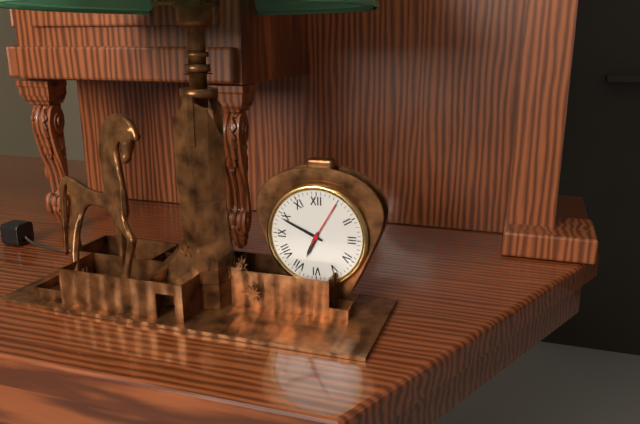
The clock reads 6,49
